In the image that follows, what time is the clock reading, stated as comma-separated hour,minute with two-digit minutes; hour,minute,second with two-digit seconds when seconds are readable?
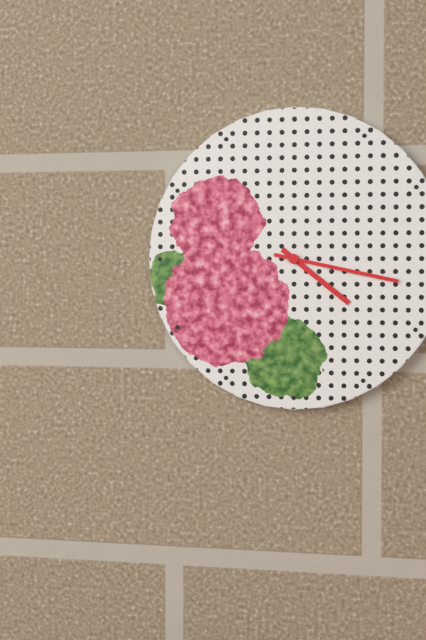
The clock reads 4,17
